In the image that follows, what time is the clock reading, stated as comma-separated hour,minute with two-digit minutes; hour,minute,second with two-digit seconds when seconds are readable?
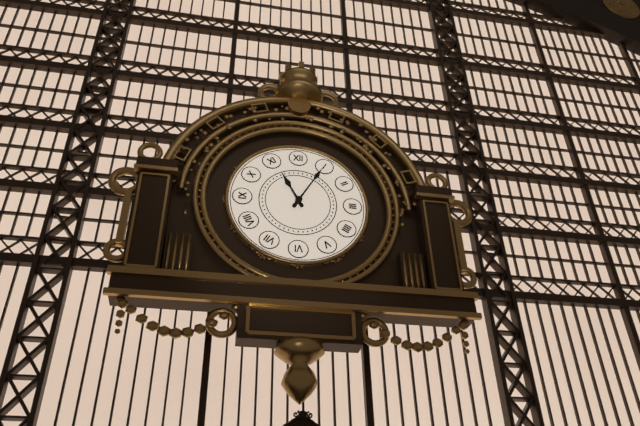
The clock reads 11,05
